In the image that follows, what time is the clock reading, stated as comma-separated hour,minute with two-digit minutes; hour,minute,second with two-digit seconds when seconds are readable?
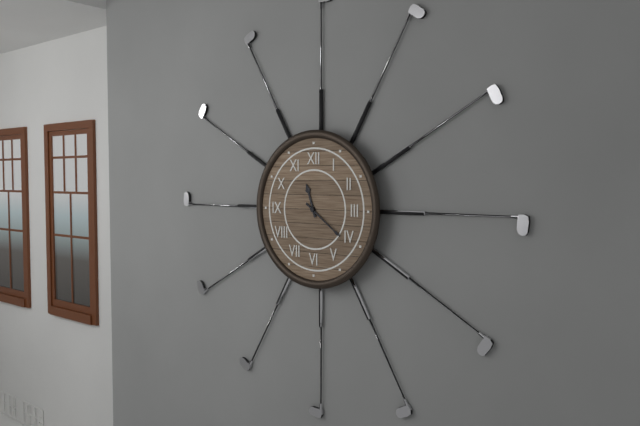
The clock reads 11,21
